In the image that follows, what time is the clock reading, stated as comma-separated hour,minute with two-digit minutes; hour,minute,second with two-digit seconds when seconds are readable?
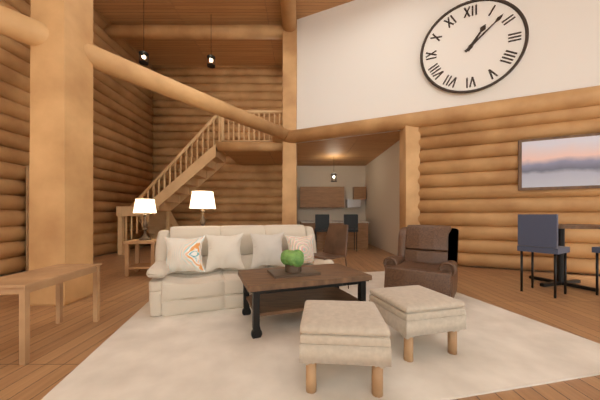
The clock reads 1,08
